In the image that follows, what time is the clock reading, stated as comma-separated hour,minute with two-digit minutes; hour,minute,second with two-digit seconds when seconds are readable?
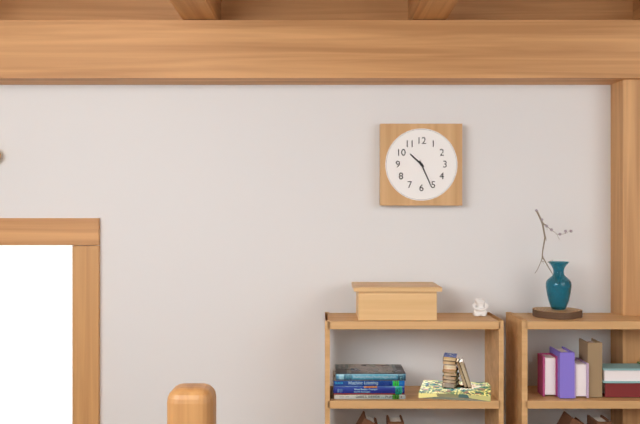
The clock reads 10,26
